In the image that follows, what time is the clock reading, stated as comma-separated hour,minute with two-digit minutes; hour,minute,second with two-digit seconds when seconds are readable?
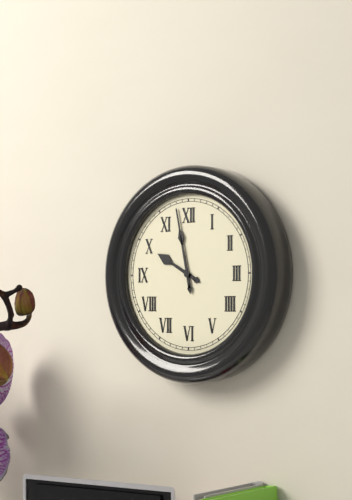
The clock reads 9,58
